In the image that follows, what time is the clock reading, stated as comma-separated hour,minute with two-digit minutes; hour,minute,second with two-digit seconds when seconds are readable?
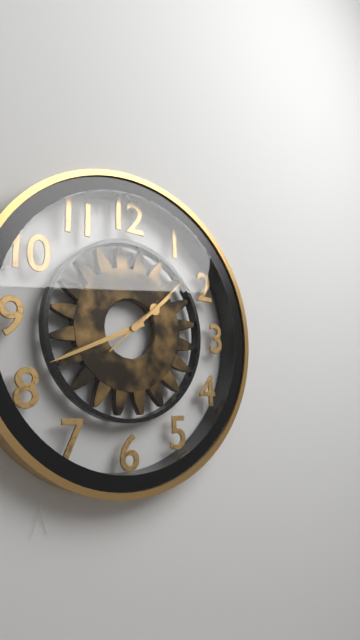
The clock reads 1,41,08
